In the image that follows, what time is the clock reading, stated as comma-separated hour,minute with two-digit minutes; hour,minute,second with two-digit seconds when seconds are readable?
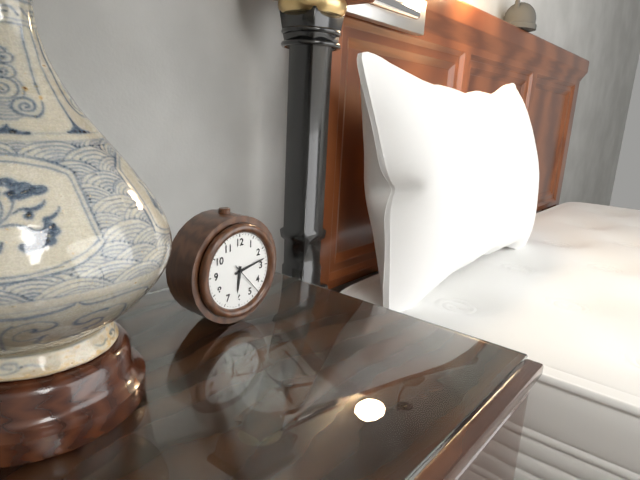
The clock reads 6,13
